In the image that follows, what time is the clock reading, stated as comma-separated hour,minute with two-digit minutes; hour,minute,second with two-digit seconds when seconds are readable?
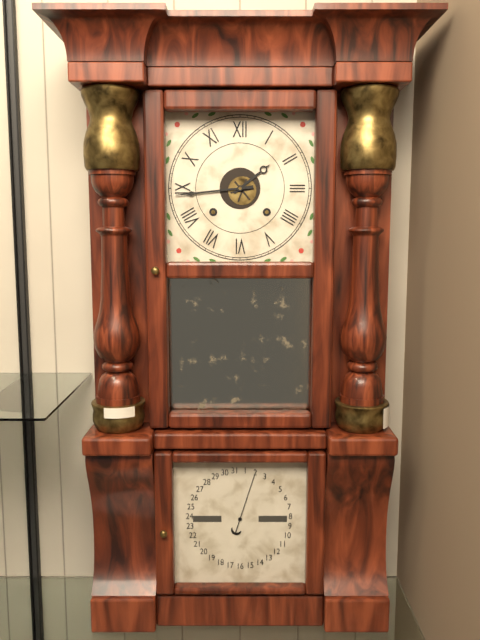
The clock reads 1,44
